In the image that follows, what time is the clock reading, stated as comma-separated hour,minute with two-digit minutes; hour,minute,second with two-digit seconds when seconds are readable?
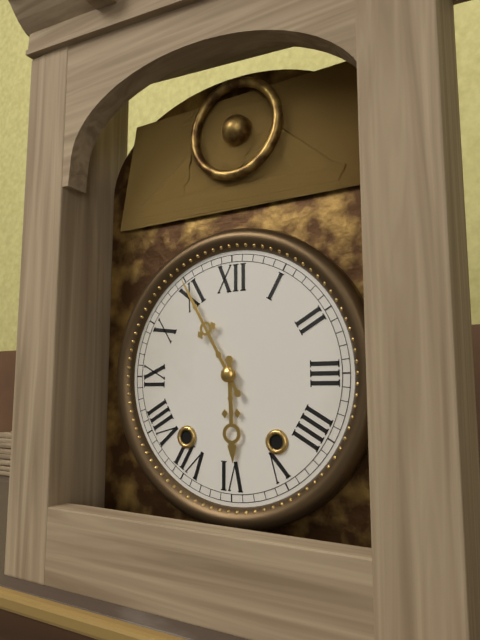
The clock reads 5,55
